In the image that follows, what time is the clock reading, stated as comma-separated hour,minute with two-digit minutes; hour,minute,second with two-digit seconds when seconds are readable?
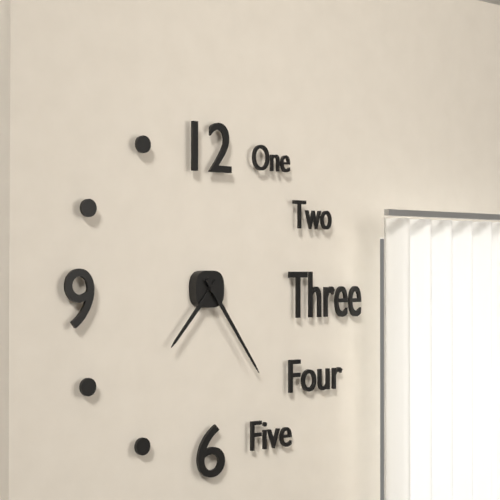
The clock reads 7,24
